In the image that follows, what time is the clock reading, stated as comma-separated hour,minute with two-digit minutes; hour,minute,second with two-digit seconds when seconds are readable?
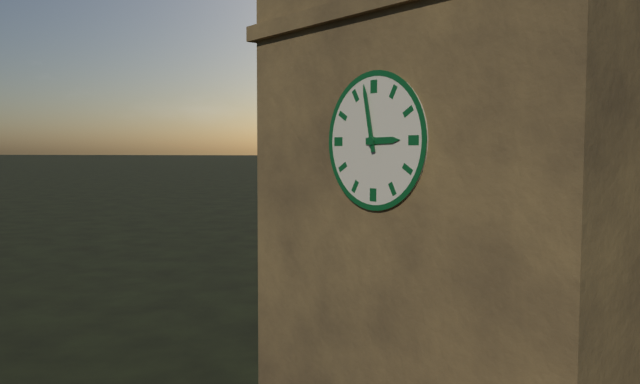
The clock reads 2,58
